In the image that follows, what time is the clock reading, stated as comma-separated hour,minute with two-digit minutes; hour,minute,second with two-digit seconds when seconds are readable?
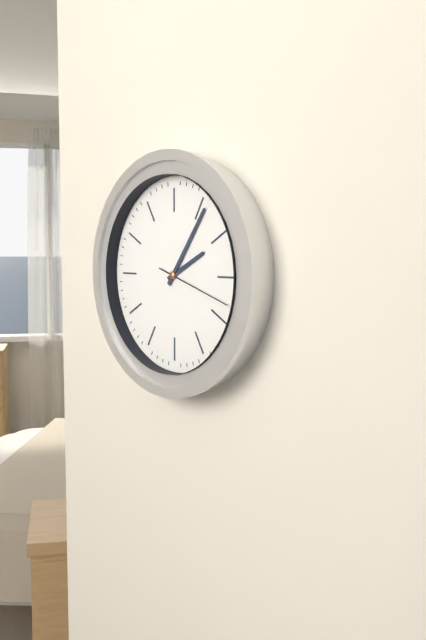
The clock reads 2,06,18
